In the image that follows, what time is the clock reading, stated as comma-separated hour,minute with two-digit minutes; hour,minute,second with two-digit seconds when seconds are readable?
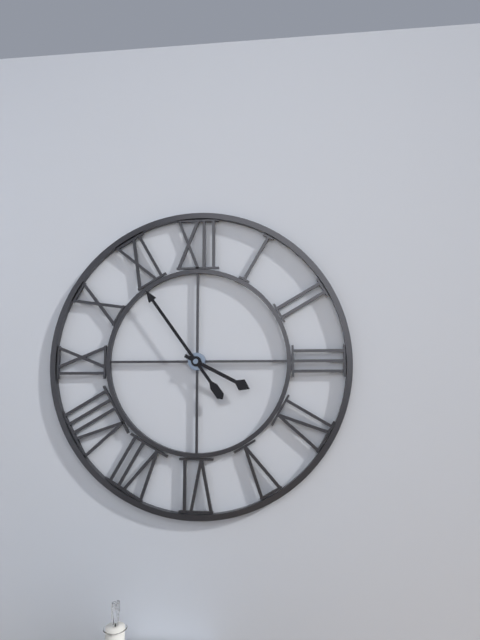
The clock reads 3,54
